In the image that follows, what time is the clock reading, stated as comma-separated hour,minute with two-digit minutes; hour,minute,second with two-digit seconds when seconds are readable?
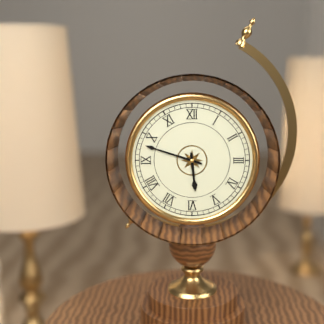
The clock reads 5,48
